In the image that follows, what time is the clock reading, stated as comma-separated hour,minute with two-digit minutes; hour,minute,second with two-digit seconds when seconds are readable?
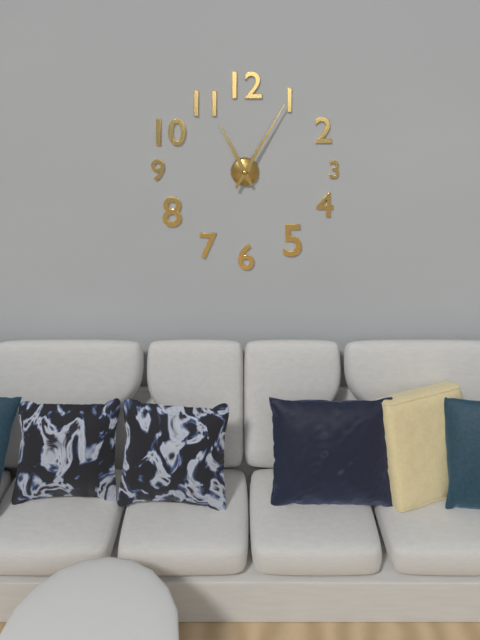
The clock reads 11,05
